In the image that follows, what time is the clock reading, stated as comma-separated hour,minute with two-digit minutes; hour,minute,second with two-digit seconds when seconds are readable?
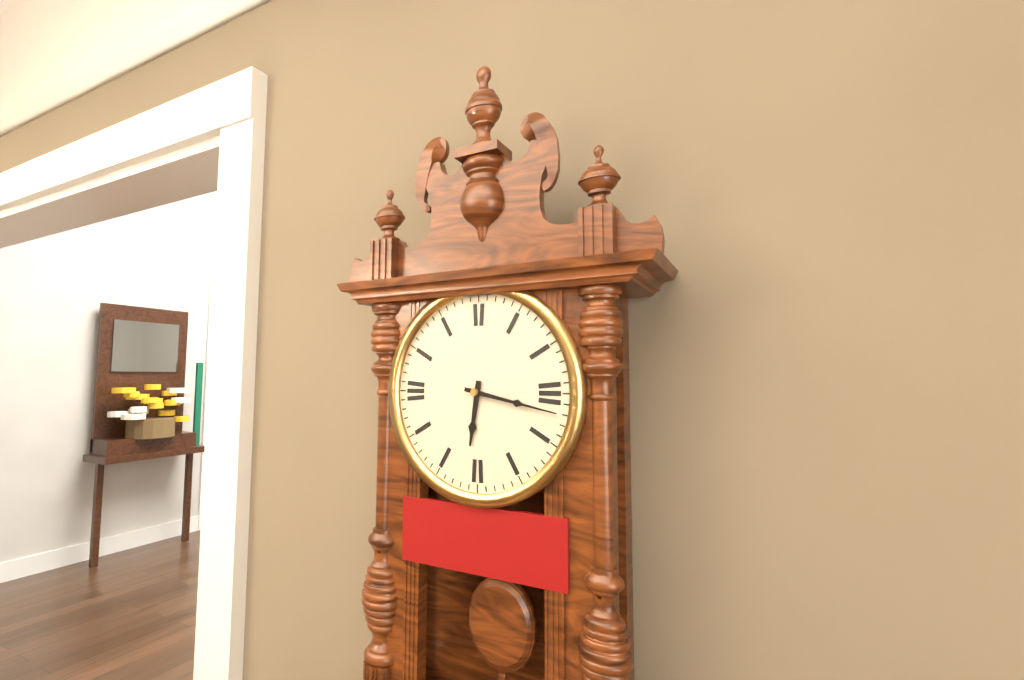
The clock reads 6,17
